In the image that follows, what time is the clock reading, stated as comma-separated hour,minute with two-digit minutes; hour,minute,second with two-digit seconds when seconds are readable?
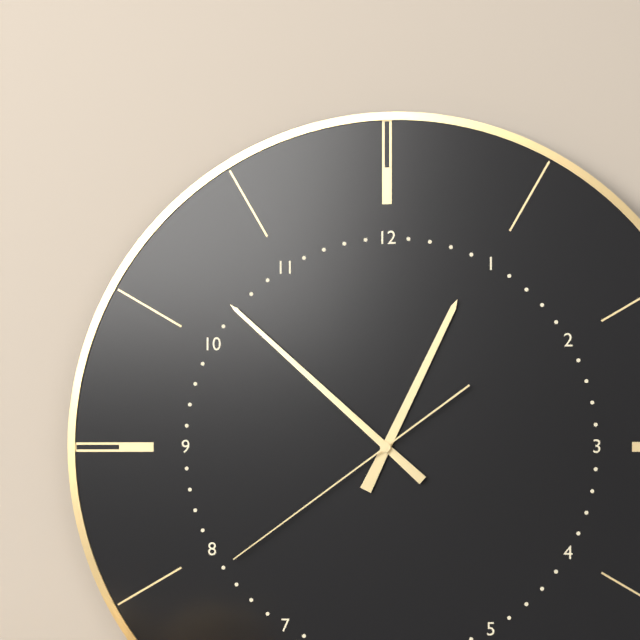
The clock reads 12,52,39
